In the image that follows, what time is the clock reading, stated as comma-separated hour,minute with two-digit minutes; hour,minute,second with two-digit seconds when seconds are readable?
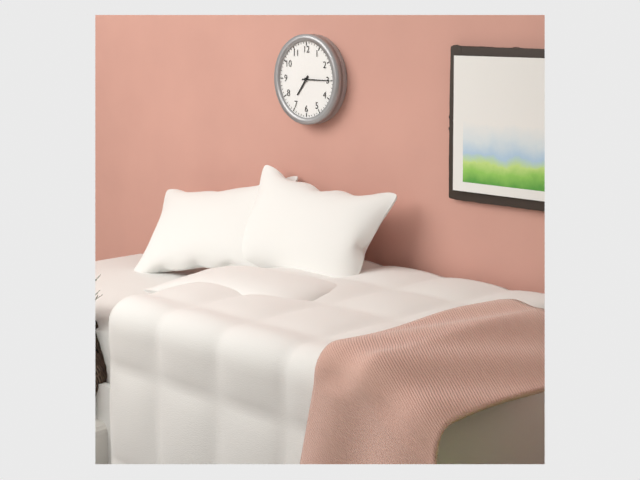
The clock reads 7,15
